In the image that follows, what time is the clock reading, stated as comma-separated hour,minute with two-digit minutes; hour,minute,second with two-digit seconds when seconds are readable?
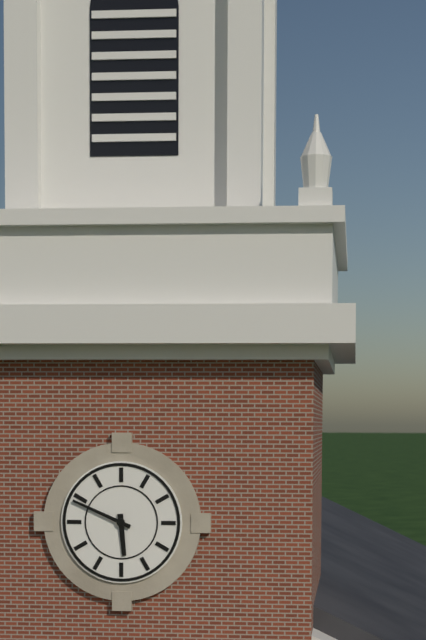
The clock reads 5,49
